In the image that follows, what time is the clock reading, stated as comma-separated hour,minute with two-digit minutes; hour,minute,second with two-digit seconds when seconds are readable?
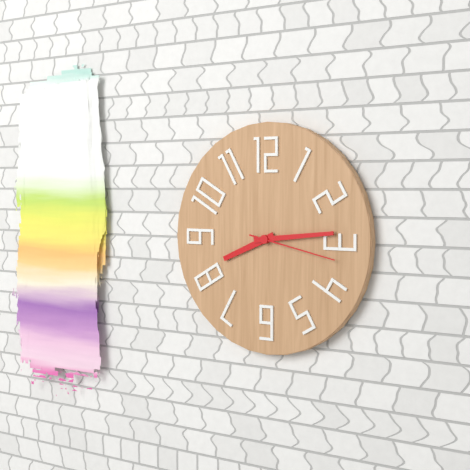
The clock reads 8,14,17
